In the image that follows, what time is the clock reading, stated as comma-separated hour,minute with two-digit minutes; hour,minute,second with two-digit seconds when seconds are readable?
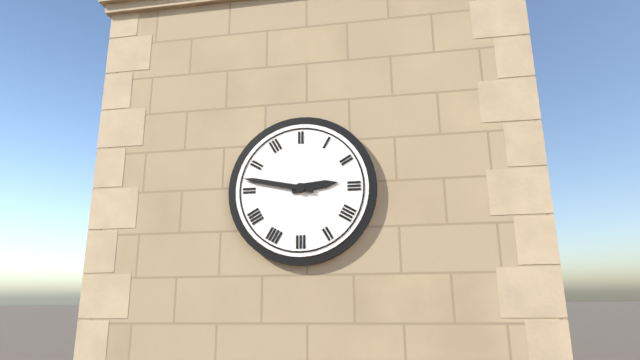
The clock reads 2,47
